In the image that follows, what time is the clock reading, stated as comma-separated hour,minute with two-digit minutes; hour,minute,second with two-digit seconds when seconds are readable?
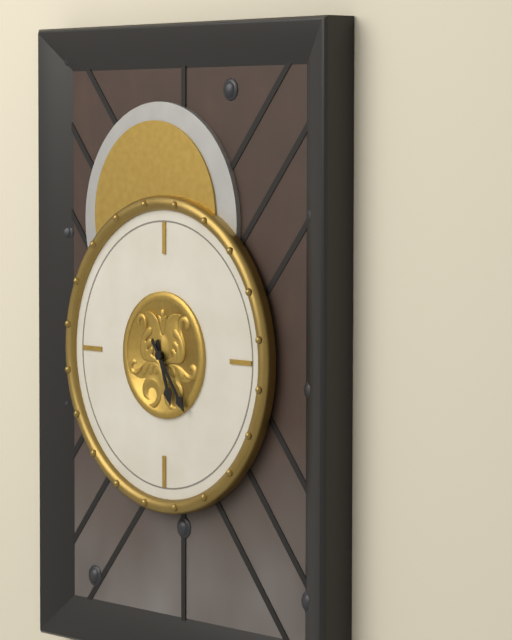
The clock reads 5,24
